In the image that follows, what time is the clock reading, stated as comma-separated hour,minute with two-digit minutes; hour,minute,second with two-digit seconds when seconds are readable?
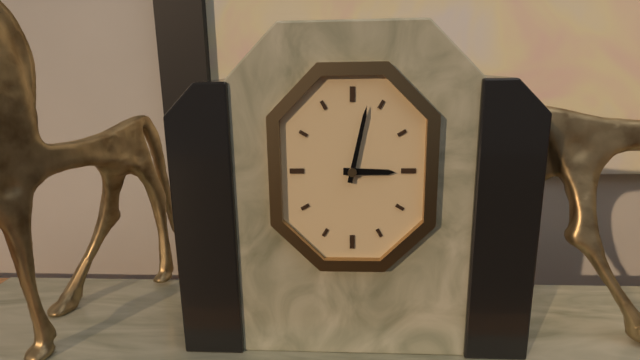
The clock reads 3,02
